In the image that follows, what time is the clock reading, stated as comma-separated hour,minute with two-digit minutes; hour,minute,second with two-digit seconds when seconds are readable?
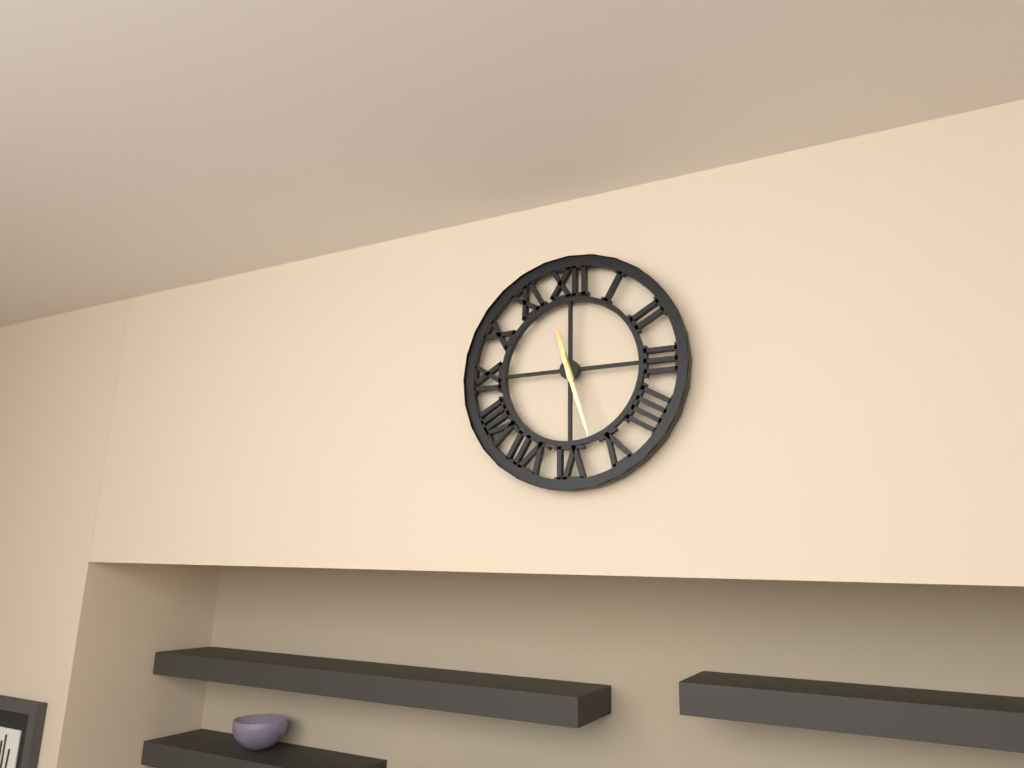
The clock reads 11,27
